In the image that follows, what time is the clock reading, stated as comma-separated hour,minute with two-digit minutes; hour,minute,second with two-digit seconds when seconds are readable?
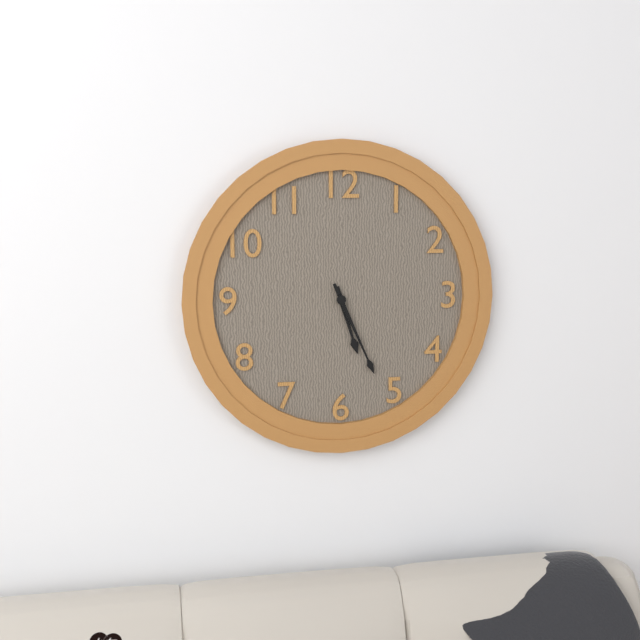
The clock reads 5,26
